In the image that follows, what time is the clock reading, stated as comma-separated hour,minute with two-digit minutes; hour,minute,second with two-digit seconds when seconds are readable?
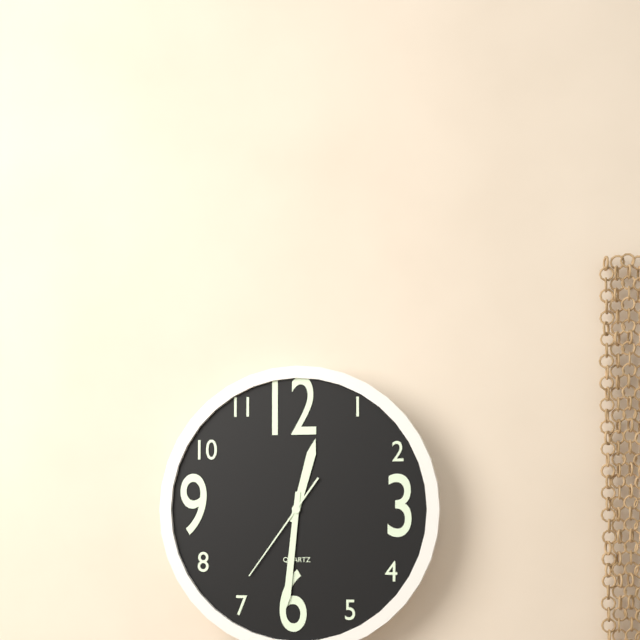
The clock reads 12,31,36
